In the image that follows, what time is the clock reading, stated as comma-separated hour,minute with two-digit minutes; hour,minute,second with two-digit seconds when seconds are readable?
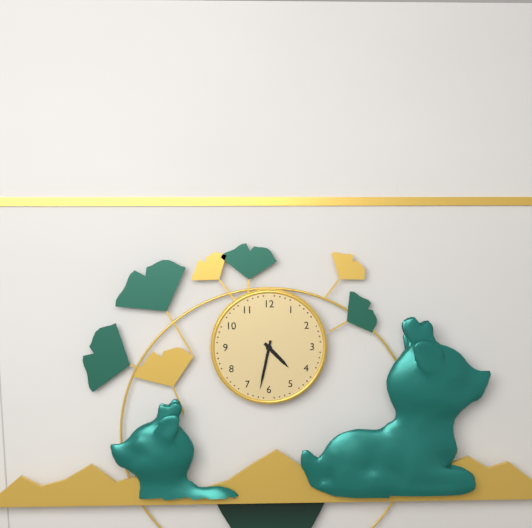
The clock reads 4,32
